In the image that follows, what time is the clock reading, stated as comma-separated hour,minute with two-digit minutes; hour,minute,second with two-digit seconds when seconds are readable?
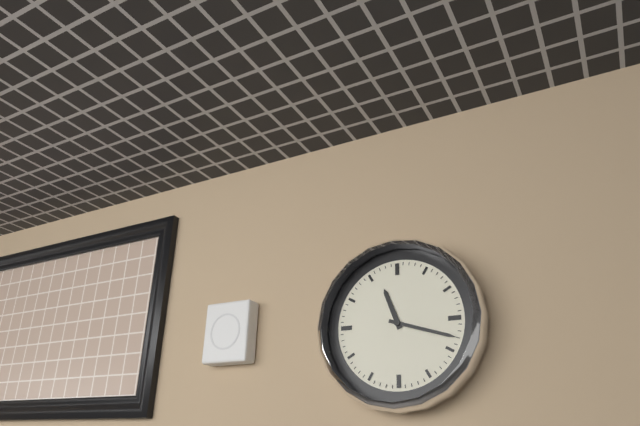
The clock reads 11,18
